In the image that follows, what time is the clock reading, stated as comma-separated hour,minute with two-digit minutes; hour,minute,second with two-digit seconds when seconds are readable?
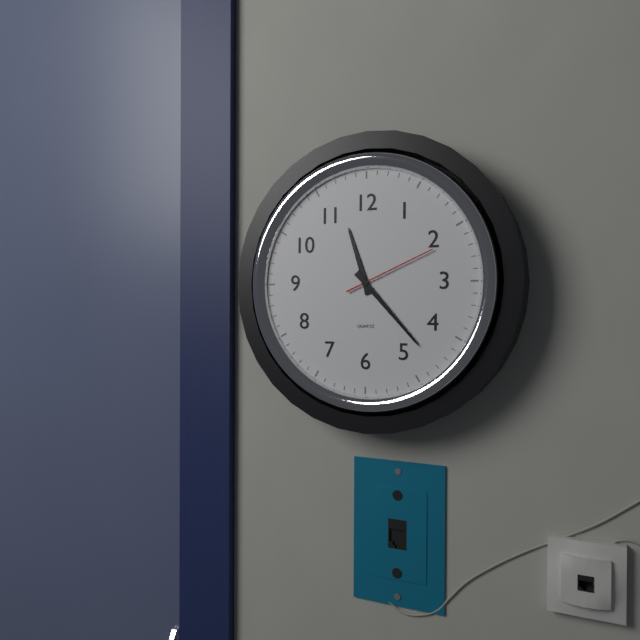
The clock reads 11,23,11
